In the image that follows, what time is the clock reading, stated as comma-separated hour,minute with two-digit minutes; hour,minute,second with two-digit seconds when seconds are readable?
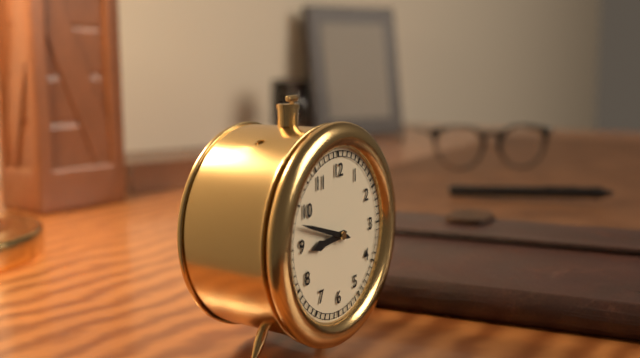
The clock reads 8,48
